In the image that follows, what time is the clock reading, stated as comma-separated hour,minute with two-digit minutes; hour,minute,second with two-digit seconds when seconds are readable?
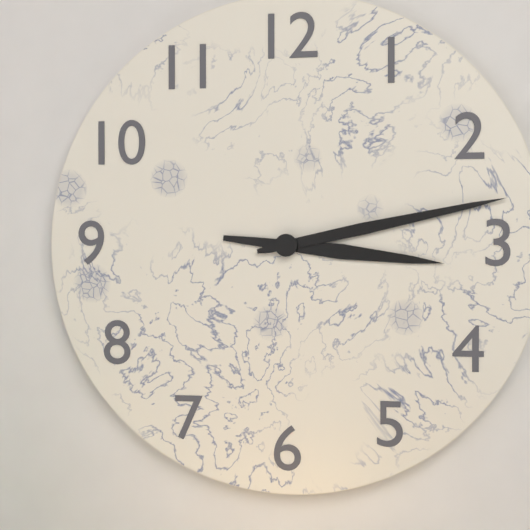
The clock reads 3,13
